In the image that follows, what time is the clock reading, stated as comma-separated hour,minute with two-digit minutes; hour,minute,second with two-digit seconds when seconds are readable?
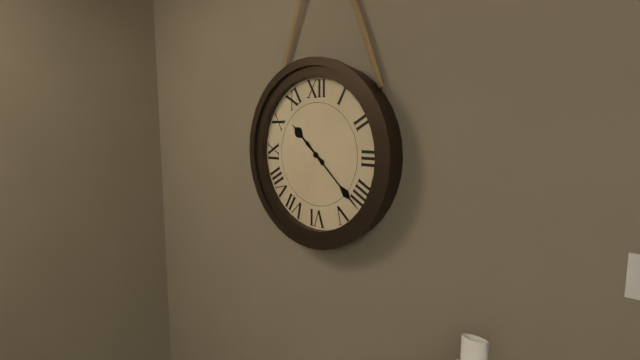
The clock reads 10,22
